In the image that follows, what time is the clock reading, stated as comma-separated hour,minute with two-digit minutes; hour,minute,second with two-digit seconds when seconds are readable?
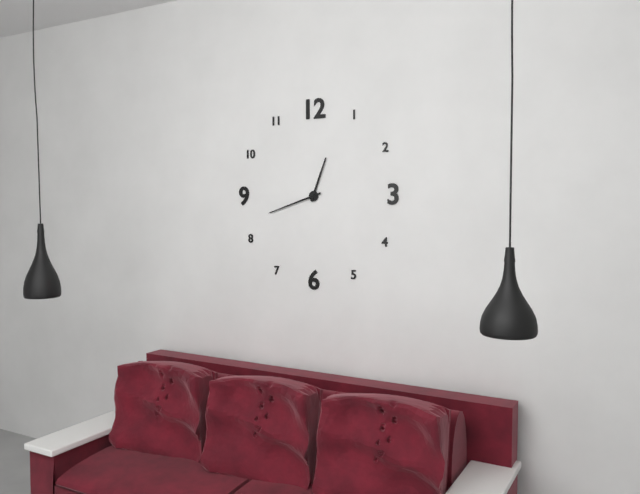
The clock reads 12,42
